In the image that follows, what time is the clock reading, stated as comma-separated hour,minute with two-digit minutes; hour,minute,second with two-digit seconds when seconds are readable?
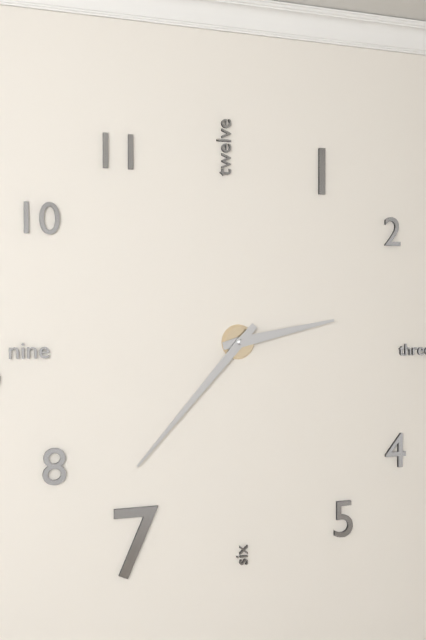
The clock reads 2,37
